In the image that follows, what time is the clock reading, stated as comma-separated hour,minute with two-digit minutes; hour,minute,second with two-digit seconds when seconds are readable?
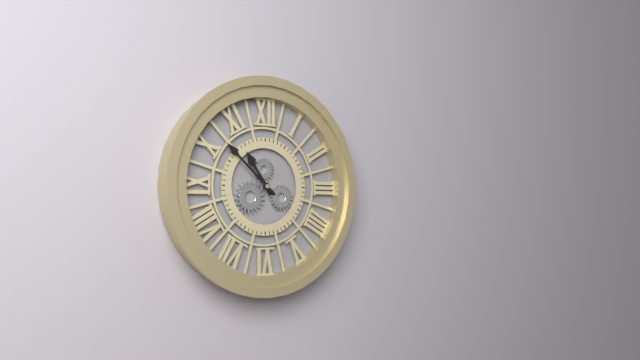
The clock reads 10,52
